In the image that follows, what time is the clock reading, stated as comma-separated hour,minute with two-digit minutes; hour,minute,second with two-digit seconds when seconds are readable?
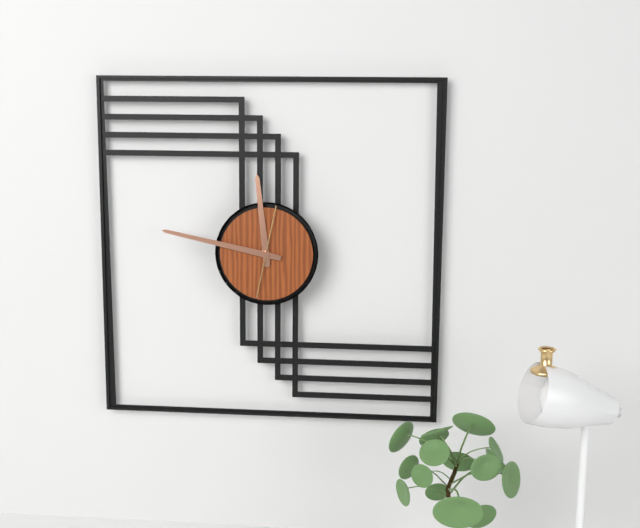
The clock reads 11,47,02
